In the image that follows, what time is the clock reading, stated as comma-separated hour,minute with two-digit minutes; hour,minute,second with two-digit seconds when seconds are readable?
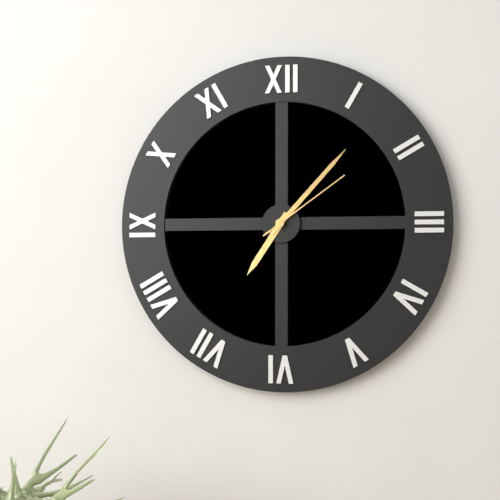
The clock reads 7,07,09
